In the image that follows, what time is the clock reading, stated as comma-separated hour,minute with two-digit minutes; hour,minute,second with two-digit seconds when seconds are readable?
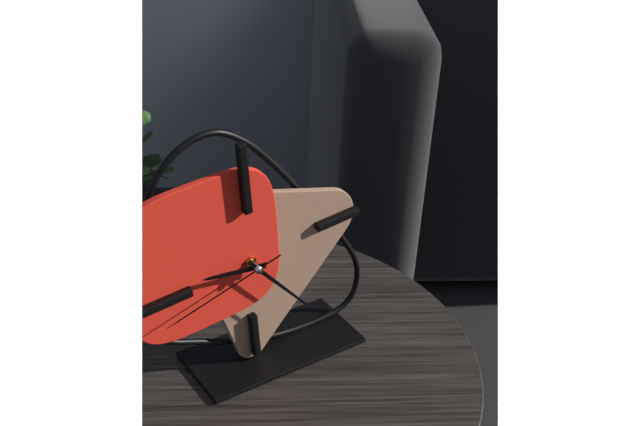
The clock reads 9,24,43
